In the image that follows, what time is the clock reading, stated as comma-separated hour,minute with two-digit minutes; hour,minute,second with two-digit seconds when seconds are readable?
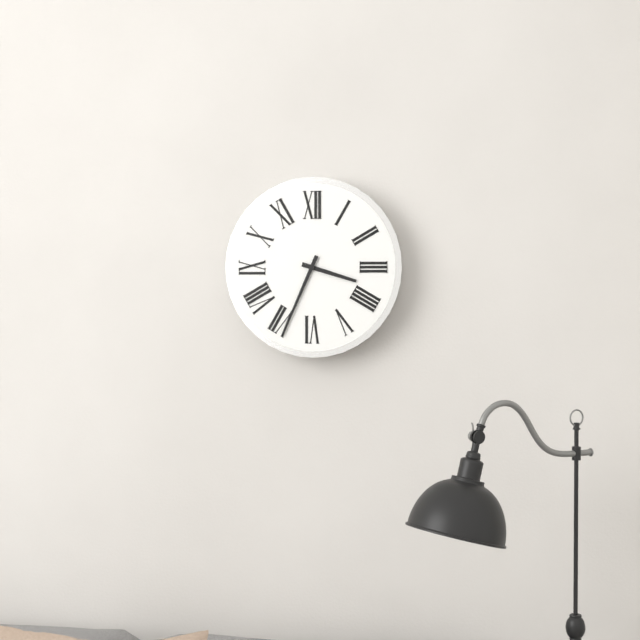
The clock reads 3,34
